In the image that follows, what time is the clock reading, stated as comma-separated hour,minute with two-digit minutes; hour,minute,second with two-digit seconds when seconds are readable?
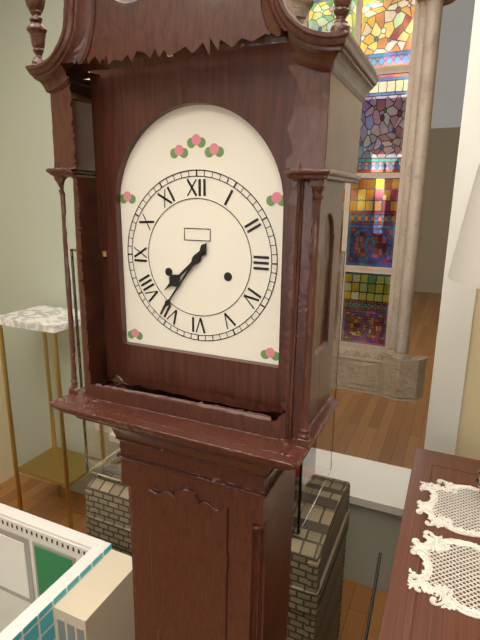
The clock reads 7,36
